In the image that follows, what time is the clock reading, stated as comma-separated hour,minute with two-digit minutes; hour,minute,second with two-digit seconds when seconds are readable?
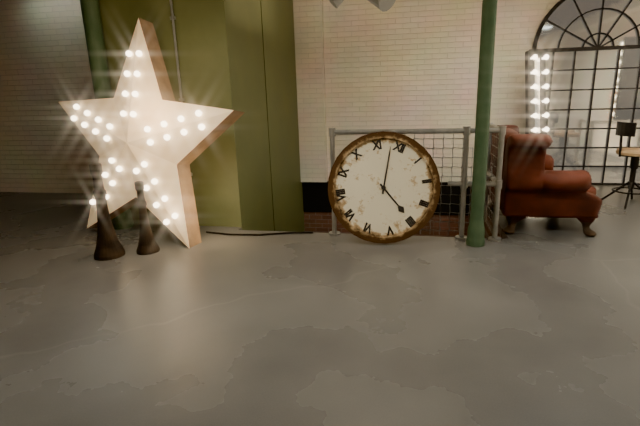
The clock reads 3,58
